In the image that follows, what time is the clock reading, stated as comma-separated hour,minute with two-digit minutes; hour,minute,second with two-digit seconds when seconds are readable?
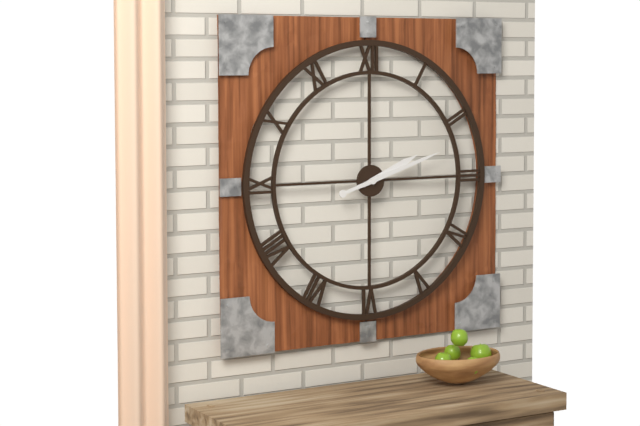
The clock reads 2,12
